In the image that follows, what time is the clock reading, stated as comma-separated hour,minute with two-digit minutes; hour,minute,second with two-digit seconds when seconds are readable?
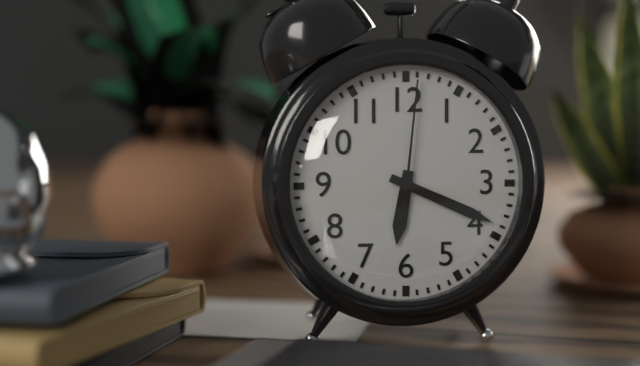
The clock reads 6,19,01
